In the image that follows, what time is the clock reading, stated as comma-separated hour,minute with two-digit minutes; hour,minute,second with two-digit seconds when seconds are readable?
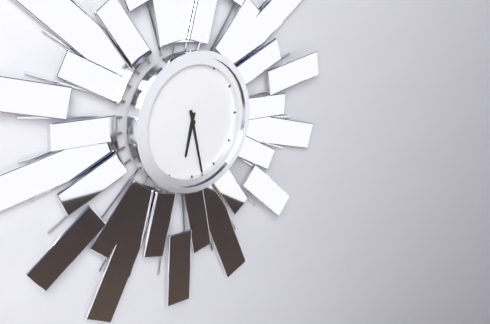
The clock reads 6,28
